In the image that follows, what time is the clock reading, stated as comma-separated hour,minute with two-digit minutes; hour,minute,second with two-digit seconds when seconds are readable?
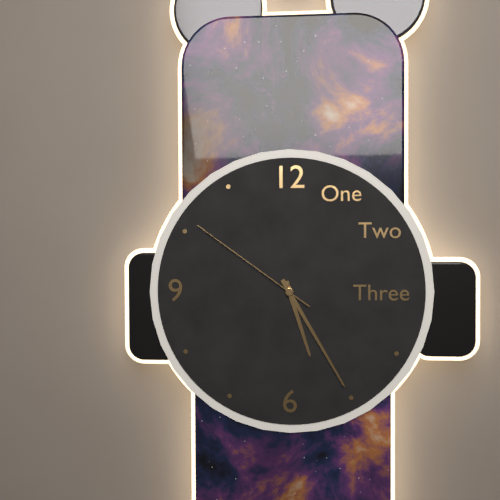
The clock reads 5,25,51
